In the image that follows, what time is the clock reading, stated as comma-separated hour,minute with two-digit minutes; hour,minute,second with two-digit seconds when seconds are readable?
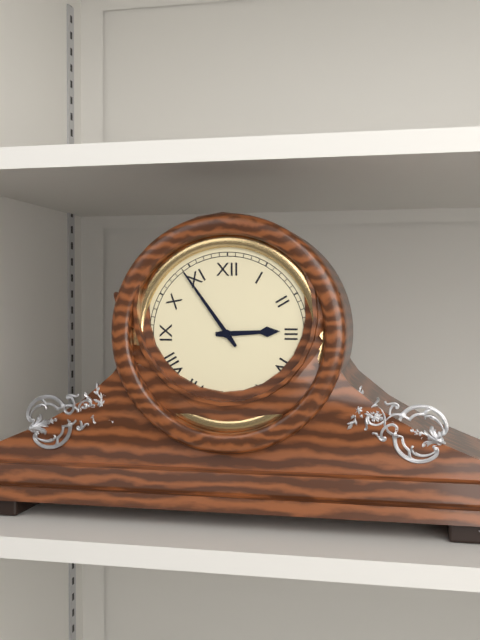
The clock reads 2,54
